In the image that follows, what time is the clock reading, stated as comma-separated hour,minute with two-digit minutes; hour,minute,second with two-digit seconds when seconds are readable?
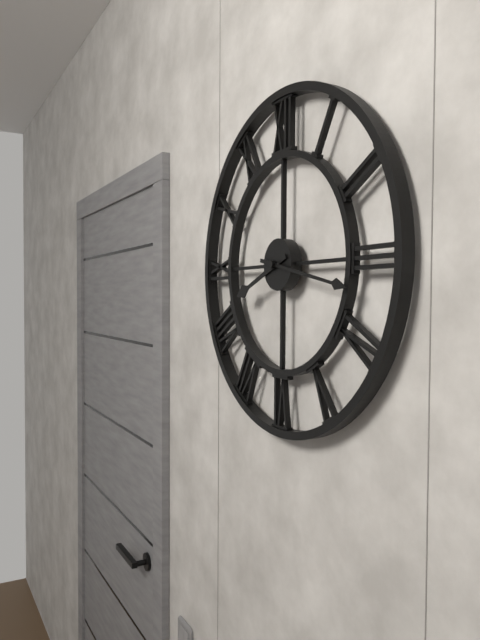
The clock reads 8,17
